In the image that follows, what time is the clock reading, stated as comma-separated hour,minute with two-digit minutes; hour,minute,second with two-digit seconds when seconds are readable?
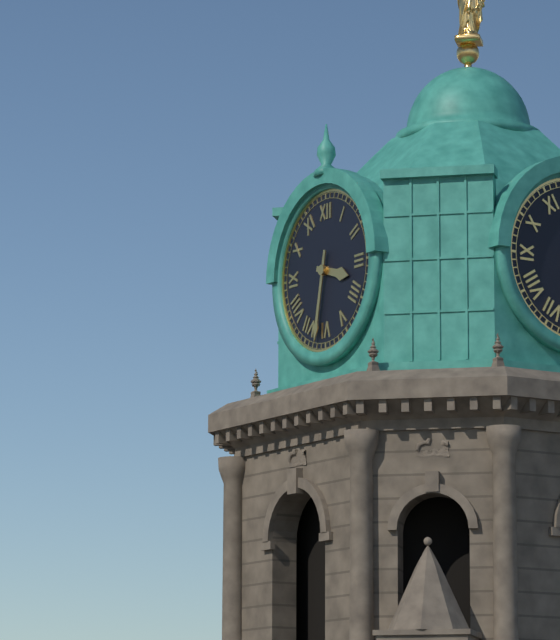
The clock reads 3,32
